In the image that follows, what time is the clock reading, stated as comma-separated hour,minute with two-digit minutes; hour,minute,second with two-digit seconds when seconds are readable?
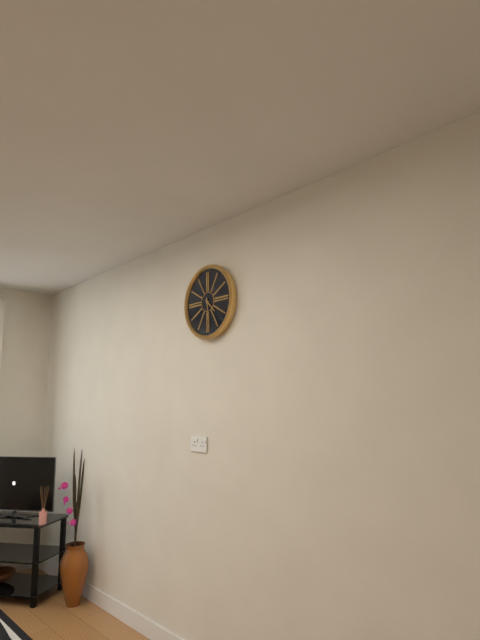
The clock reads 4,29
